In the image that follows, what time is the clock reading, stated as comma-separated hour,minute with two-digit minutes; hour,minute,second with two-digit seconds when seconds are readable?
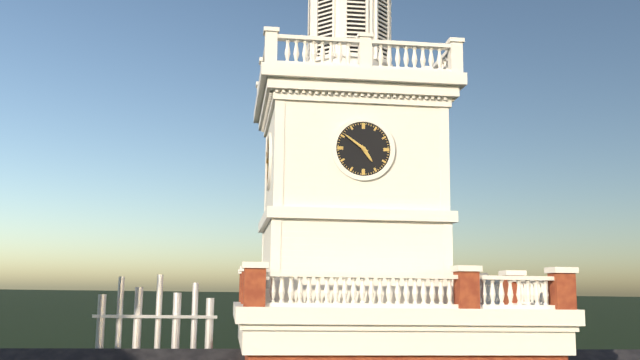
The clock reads 4,51
